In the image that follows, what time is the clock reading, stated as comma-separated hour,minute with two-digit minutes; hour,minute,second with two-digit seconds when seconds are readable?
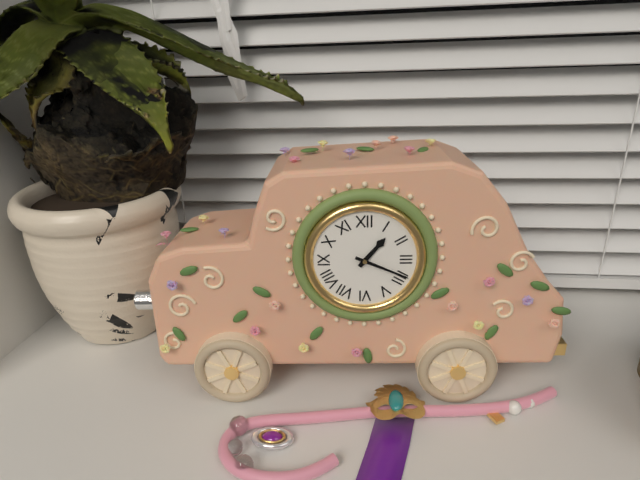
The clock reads 1,19
